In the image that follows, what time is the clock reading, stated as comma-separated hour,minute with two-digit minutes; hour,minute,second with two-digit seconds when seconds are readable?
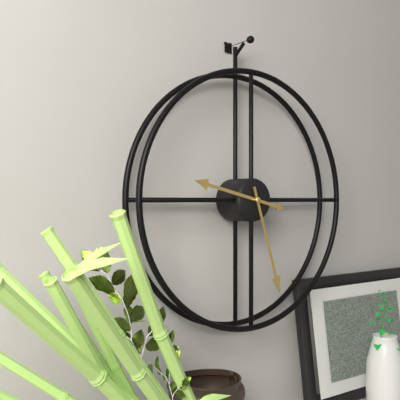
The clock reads 9,27
